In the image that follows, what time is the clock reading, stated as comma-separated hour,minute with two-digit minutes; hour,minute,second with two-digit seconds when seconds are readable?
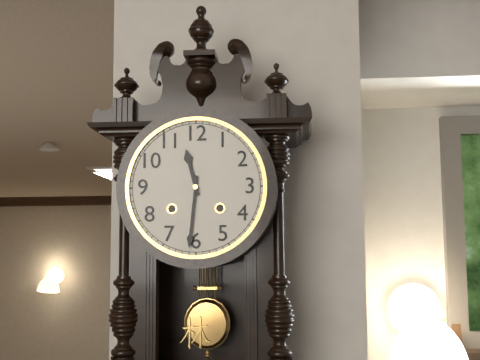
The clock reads 11,31
